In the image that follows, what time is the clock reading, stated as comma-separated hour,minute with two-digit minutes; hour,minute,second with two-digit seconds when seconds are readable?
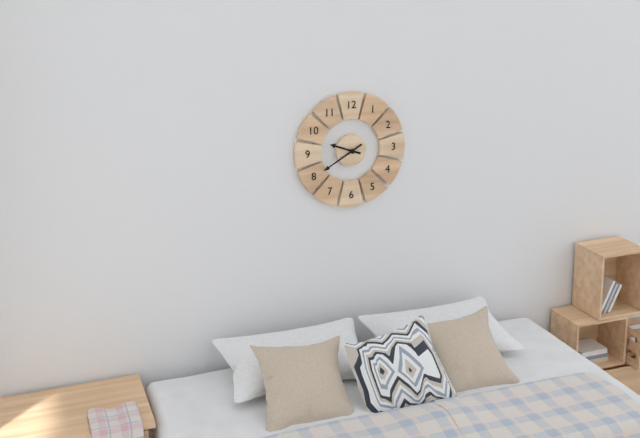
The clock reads 9,40
